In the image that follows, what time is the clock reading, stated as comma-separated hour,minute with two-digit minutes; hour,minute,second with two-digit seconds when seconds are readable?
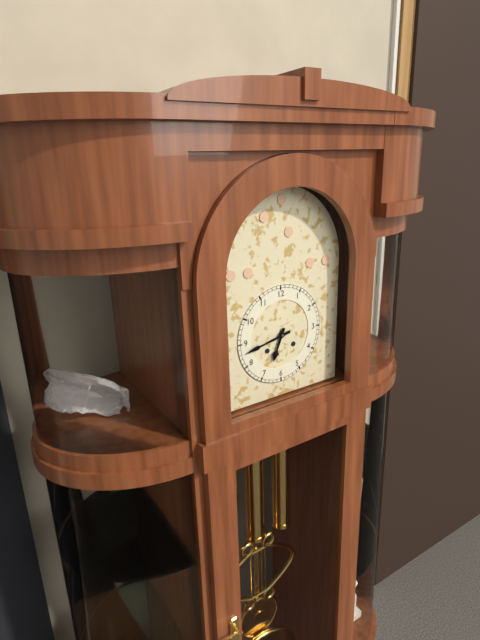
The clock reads 6,43
